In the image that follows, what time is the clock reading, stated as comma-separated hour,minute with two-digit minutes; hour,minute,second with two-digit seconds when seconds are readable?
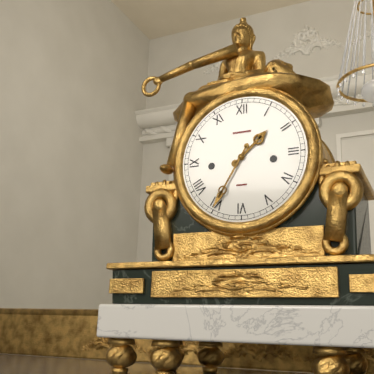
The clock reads 1,35
